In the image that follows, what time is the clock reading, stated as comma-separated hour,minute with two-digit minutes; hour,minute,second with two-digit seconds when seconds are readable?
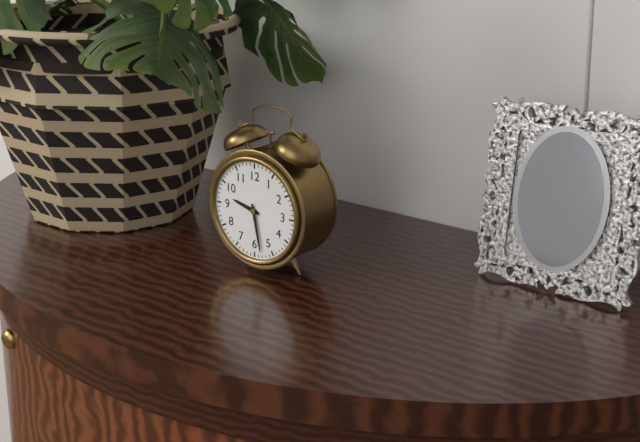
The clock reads 9,28
